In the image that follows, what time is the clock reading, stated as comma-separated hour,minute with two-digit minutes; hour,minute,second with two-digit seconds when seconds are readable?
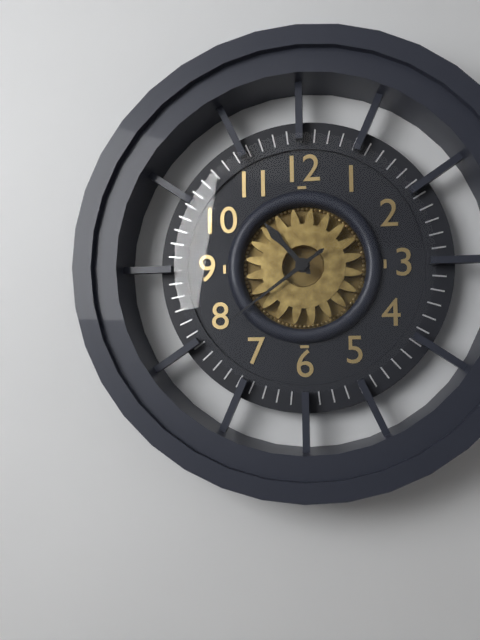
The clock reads 10,39
